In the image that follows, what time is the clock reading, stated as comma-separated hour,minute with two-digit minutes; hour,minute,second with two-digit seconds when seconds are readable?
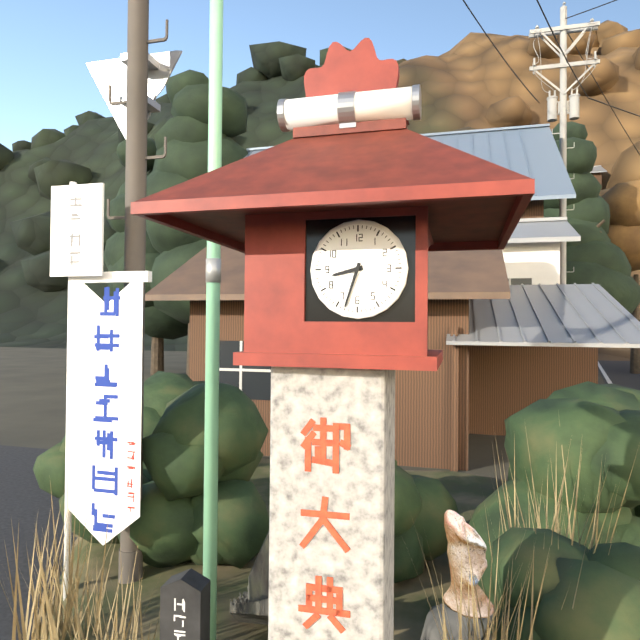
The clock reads 8,33
